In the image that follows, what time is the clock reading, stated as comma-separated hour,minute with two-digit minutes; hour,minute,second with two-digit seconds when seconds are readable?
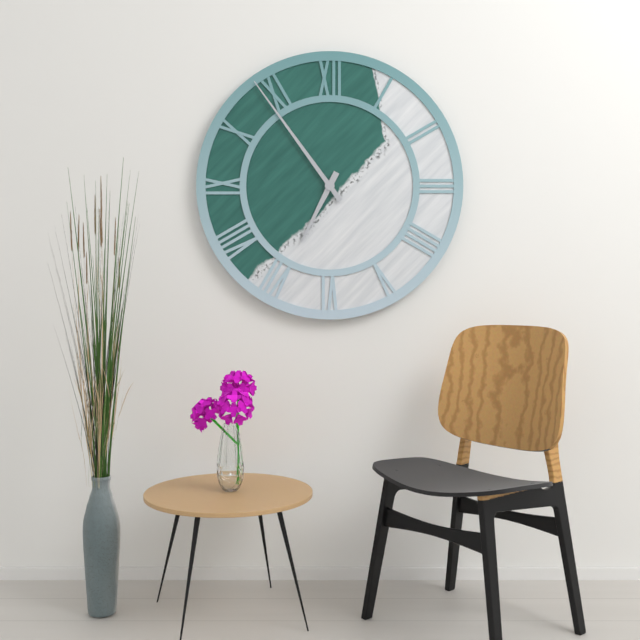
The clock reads 6,54
